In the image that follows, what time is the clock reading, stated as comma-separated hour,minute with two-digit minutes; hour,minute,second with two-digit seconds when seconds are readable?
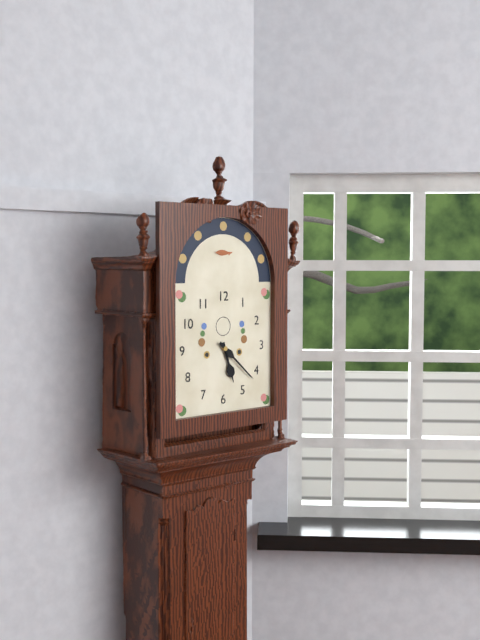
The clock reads 5,22
